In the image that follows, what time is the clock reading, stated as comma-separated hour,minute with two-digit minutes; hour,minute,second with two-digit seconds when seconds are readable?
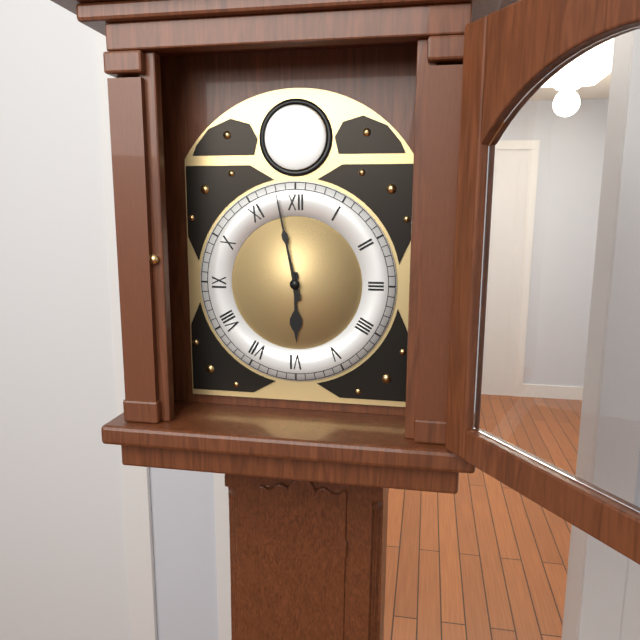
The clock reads 5,58
